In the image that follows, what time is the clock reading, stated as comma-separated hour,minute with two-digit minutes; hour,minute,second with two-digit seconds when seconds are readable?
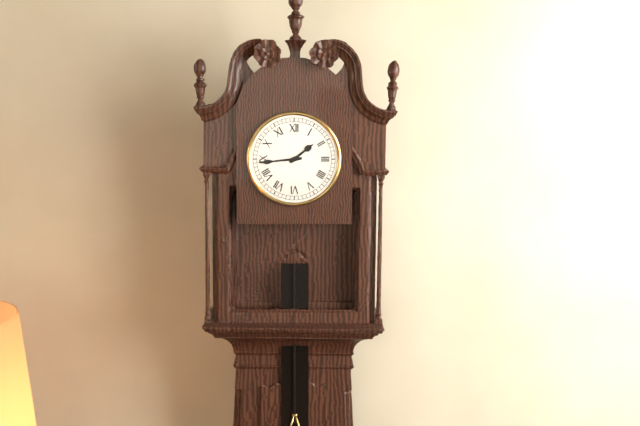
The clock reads 1,44
